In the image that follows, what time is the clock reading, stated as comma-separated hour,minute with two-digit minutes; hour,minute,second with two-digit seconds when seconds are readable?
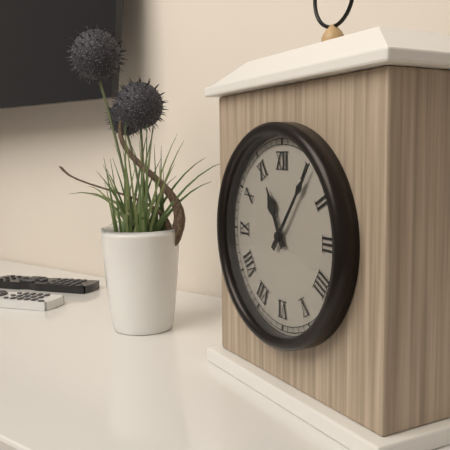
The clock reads 11,06
